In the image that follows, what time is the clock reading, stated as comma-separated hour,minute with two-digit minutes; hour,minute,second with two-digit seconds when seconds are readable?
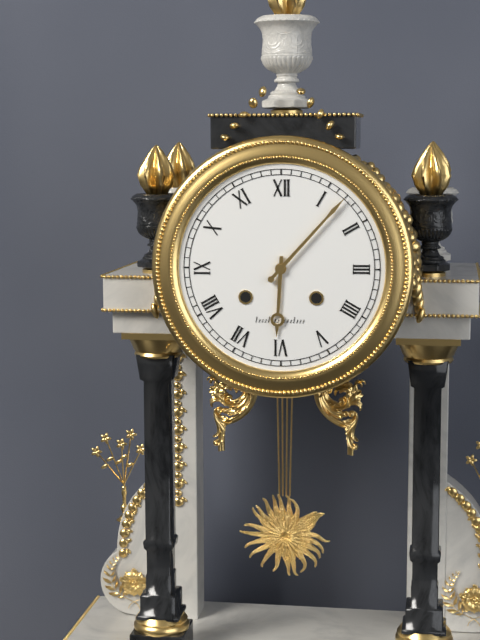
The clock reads 6,07
